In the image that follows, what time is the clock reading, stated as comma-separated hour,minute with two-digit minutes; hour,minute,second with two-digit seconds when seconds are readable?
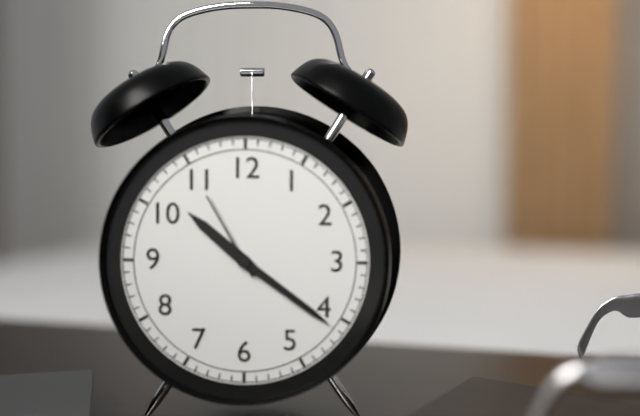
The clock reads 10,21,55
